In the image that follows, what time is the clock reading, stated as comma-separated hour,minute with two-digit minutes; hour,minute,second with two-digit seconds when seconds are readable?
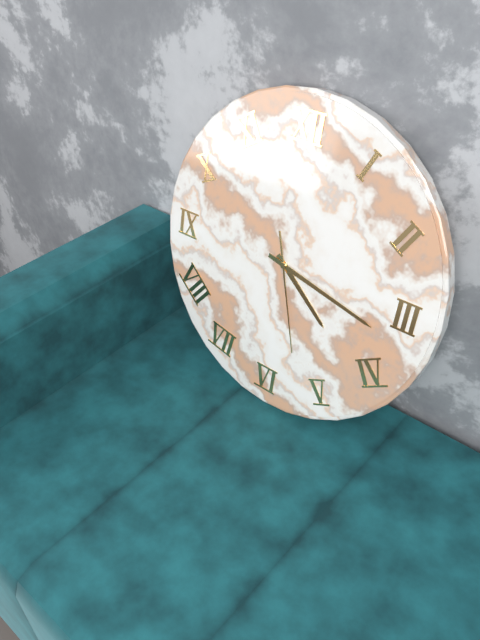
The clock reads 4,17,27
